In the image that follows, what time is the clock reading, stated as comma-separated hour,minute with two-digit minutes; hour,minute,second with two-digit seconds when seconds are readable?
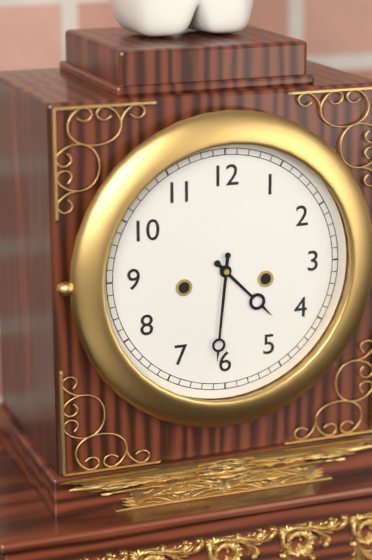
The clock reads 4,31
